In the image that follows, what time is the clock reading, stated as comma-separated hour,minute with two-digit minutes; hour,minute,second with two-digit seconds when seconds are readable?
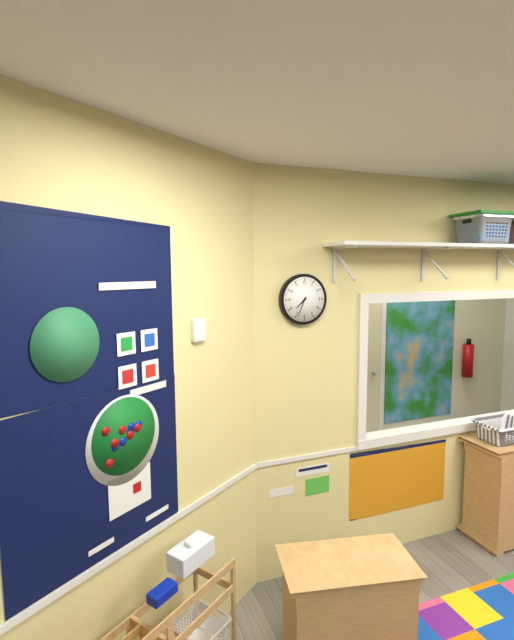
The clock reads 7,34
